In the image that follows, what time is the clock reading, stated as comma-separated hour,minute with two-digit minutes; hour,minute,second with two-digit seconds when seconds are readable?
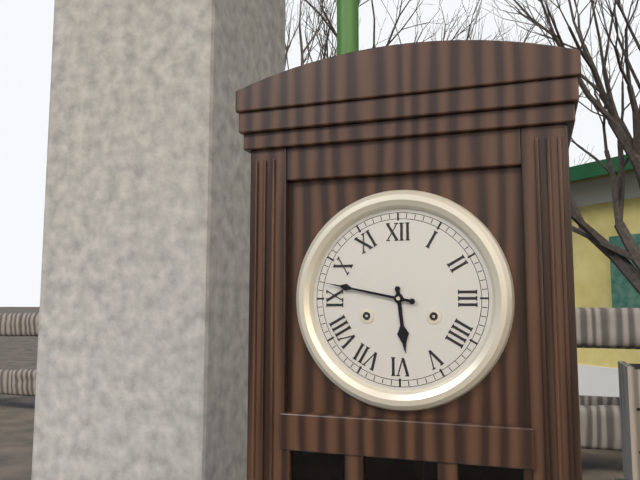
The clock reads 5,47
